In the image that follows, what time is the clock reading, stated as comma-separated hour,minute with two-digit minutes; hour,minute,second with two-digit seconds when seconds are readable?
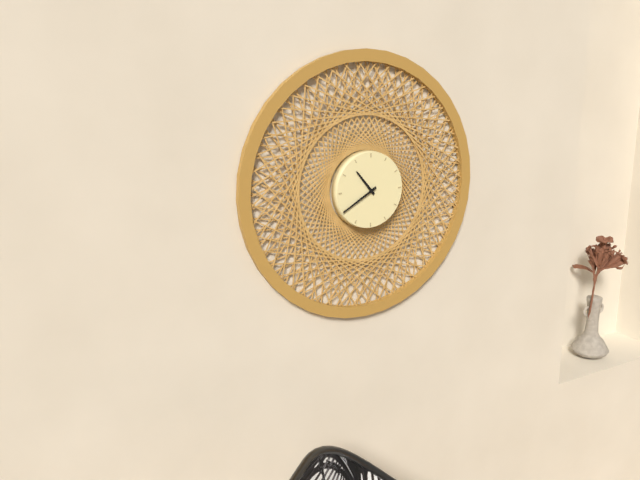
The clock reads 10,40
